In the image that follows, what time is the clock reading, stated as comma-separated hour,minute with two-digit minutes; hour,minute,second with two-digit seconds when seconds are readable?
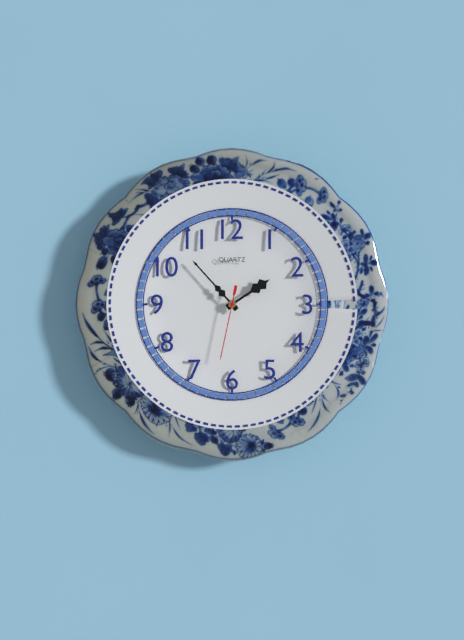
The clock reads 1,53,32
